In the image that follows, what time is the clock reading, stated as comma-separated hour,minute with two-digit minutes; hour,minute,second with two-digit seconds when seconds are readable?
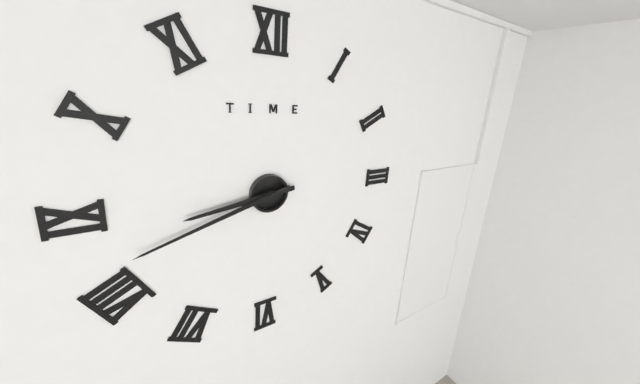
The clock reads 8,42
